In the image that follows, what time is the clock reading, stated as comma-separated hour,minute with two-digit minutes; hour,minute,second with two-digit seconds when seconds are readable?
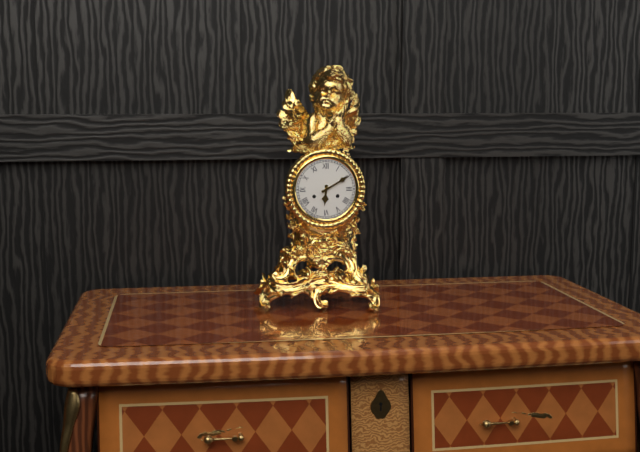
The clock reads 6,10
